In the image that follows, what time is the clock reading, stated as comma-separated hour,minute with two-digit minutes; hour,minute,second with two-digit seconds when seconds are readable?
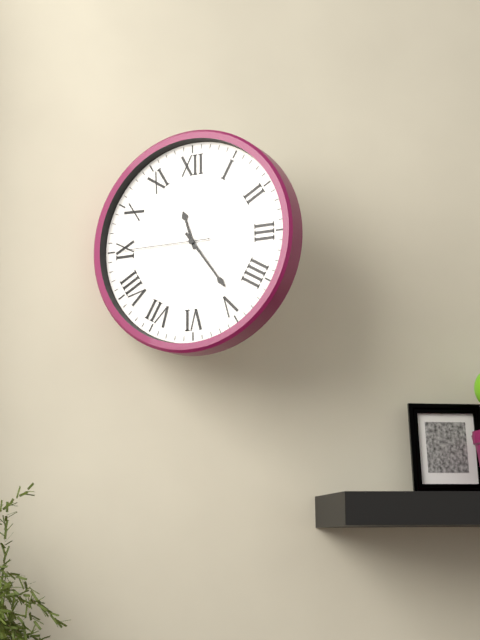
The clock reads 11,24,45
